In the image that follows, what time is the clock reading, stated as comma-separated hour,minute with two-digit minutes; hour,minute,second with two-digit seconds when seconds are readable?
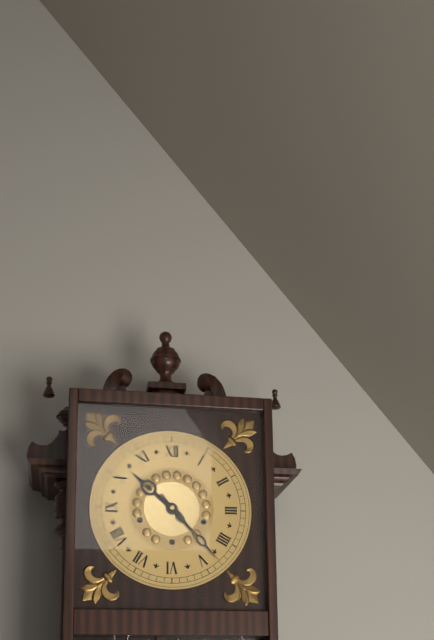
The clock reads 10,23
